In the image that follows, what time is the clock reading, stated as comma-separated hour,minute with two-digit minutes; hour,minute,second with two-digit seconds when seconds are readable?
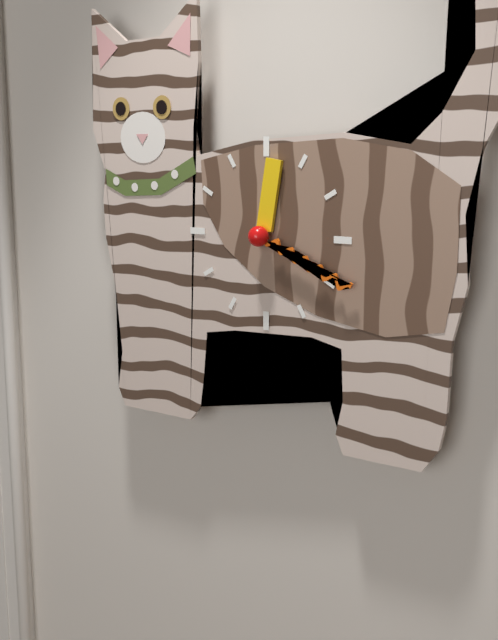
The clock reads 12,19
